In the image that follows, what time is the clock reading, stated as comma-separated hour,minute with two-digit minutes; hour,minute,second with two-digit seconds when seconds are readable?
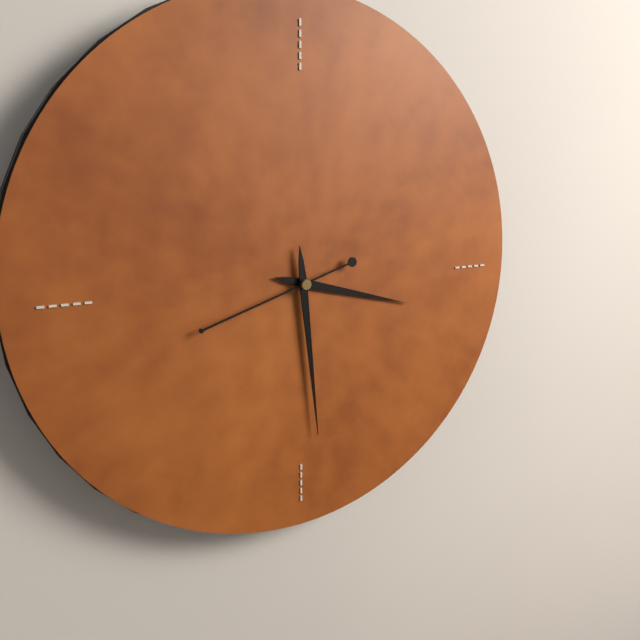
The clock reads 3,29,42
